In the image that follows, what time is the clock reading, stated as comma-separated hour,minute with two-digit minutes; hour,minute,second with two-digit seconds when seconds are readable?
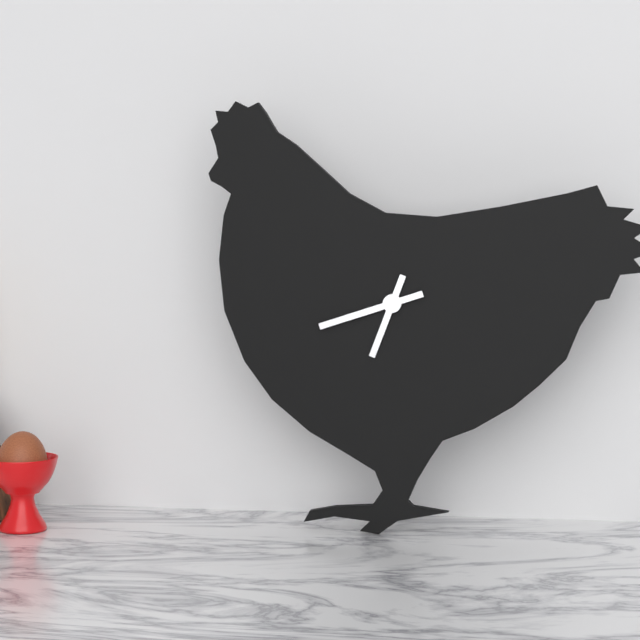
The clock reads 6,42
